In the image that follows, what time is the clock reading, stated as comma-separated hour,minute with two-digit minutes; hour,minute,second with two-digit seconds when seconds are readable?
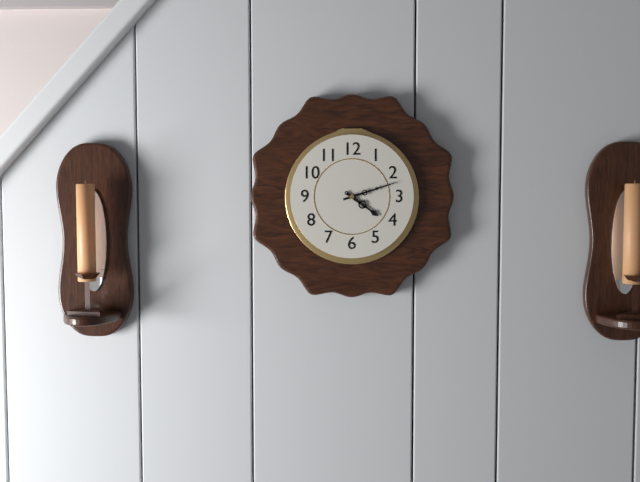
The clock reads 4,12
